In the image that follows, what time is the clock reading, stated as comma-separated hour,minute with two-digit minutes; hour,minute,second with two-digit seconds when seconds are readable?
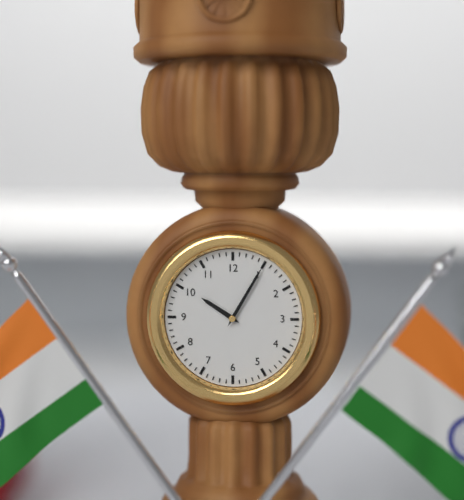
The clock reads 10,05
